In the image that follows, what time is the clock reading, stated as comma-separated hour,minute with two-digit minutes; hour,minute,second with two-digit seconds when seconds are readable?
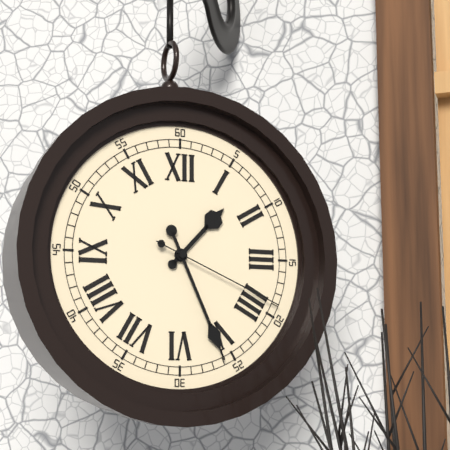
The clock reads 1,26,19
